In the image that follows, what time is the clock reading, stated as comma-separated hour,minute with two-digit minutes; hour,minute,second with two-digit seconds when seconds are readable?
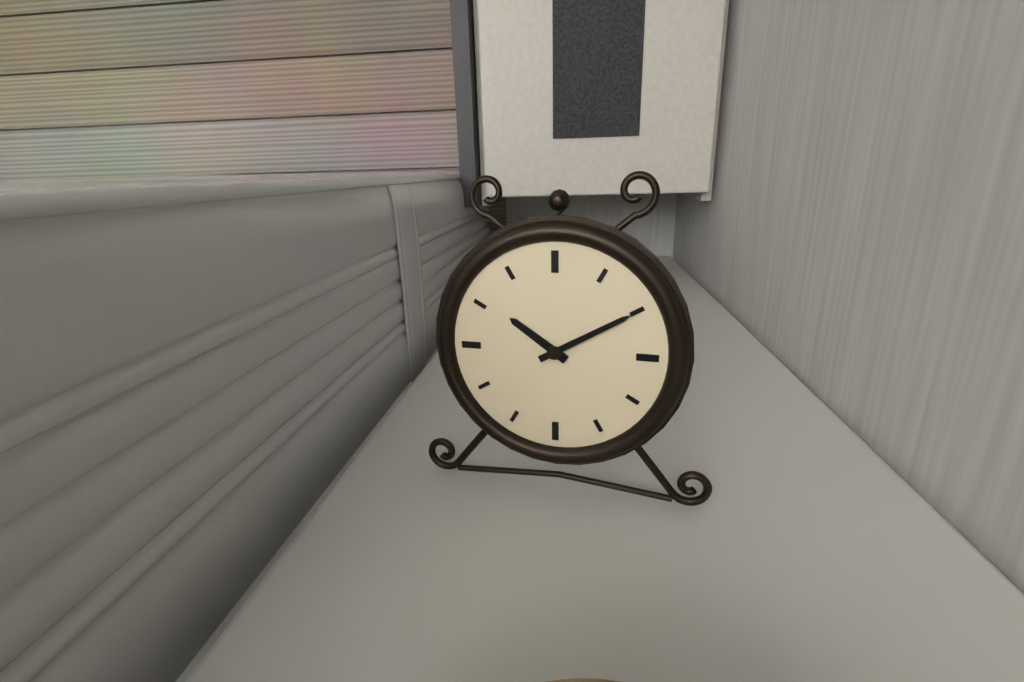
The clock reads 10,10
